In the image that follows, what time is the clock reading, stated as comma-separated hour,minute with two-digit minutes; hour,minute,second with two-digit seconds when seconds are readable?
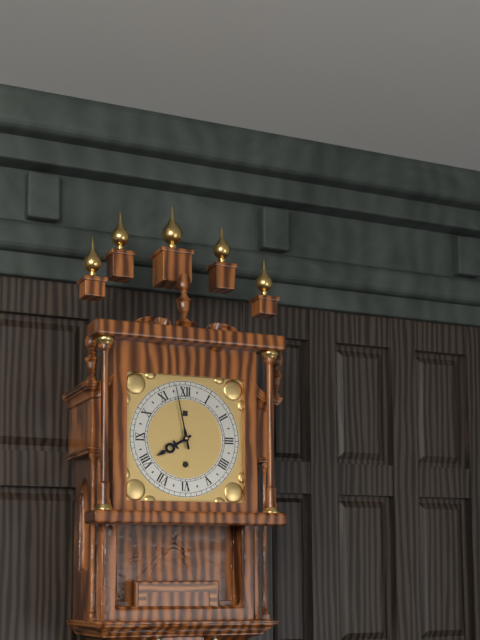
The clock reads 7,58
